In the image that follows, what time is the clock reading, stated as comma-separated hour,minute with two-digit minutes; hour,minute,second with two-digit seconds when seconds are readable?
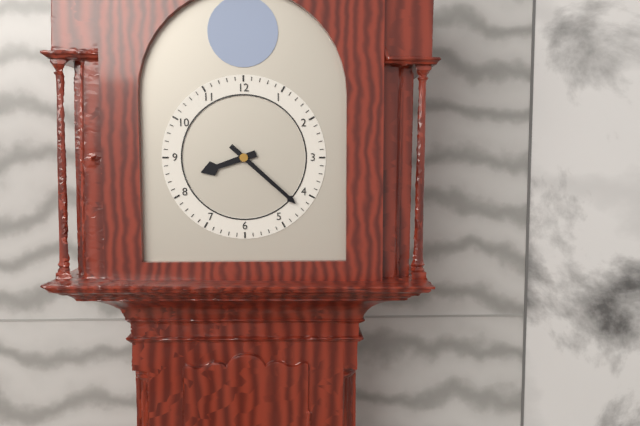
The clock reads 8,22
